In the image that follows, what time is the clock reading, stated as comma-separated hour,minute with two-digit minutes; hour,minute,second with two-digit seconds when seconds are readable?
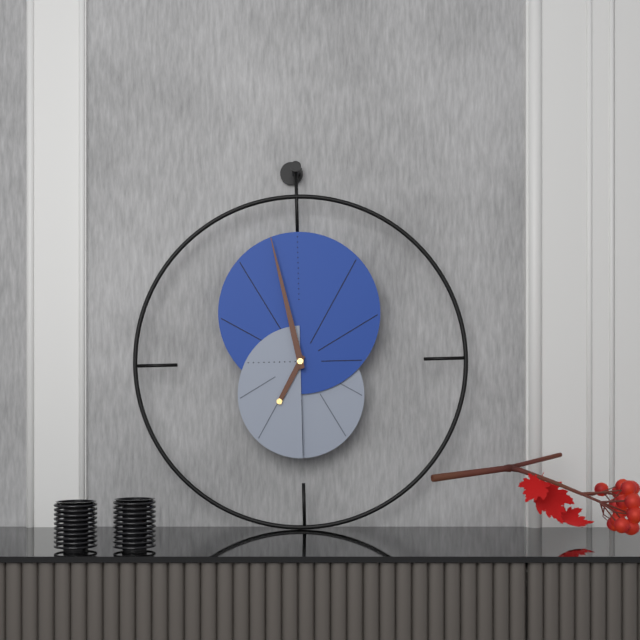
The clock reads 6,58
